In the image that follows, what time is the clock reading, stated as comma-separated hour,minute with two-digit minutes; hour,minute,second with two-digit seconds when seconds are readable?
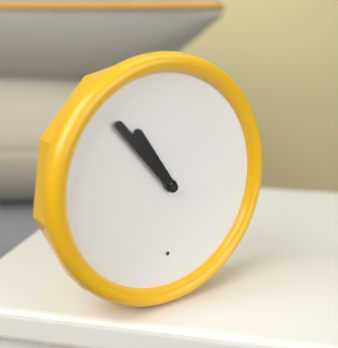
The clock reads 10,53
